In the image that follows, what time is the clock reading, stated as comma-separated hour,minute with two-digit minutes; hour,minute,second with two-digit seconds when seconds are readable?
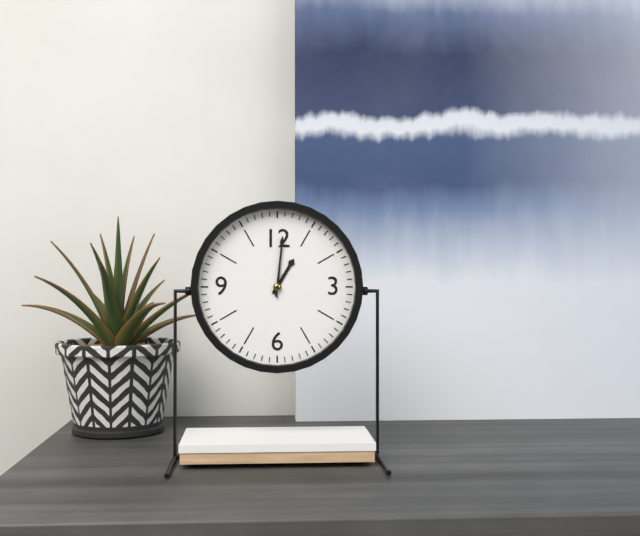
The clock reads 1,01
